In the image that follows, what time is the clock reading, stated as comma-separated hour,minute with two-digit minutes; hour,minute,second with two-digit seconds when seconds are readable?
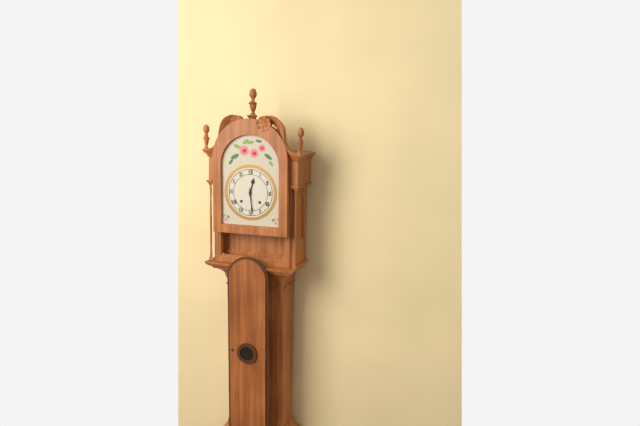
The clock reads 12,29
